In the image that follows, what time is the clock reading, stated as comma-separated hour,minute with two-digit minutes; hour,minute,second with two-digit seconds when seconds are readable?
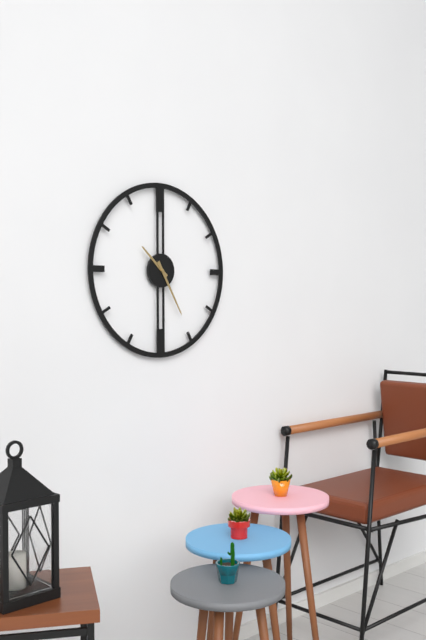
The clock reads 10,25
